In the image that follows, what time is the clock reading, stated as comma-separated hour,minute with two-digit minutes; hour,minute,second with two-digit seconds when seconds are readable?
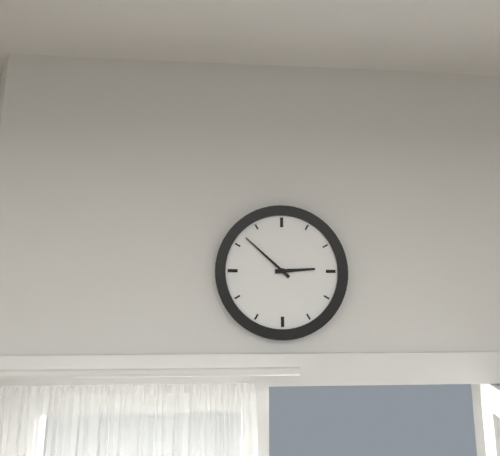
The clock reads 2,52
